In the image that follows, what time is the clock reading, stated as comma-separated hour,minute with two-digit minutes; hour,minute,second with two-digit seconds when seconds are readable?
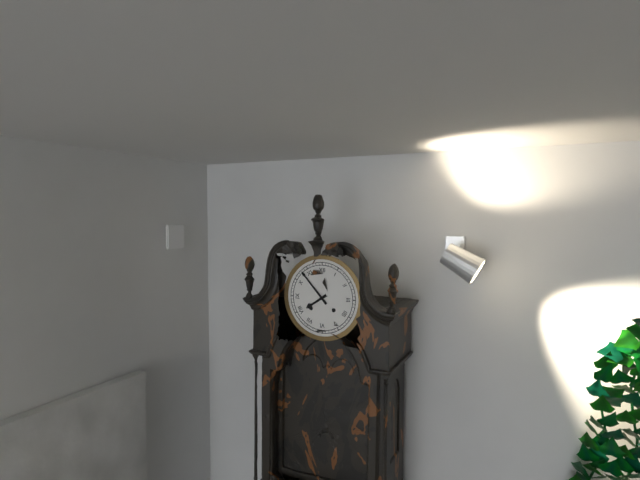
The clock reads 7,53
